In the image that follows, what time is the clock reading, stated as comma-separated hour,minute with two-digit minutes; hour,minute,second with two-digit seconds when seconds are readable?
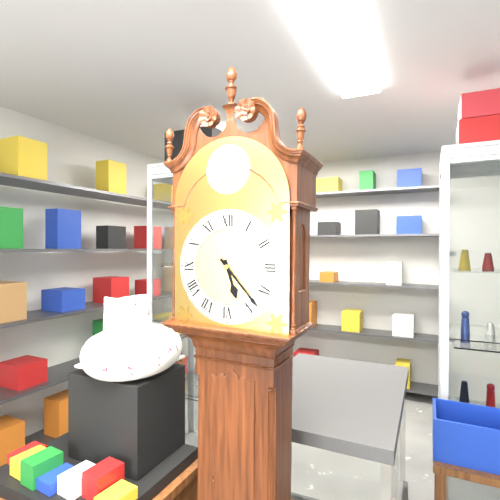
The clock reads 5,23
